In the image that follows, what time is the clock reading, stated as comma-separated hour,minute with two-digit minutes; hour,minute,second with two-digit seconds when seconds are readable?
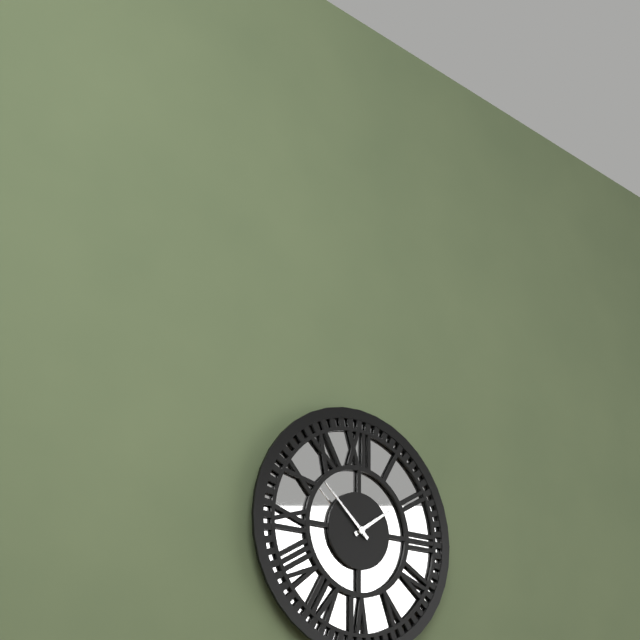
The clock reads 1,52
